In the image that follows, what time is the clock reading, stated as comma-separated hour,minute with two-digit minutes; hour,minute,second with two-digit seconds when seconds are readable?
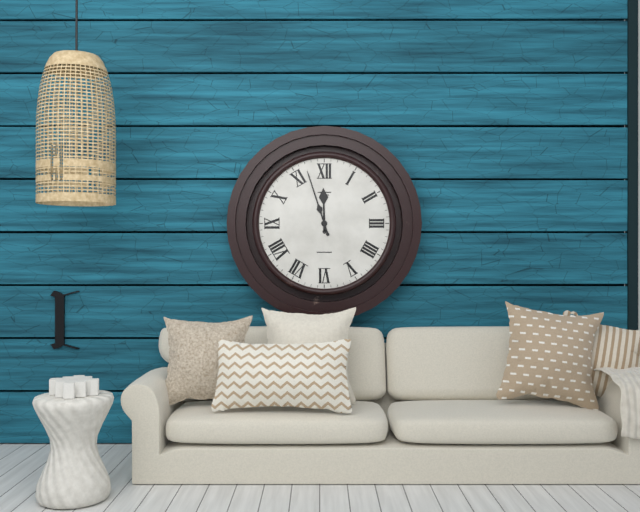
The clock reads 11,57
